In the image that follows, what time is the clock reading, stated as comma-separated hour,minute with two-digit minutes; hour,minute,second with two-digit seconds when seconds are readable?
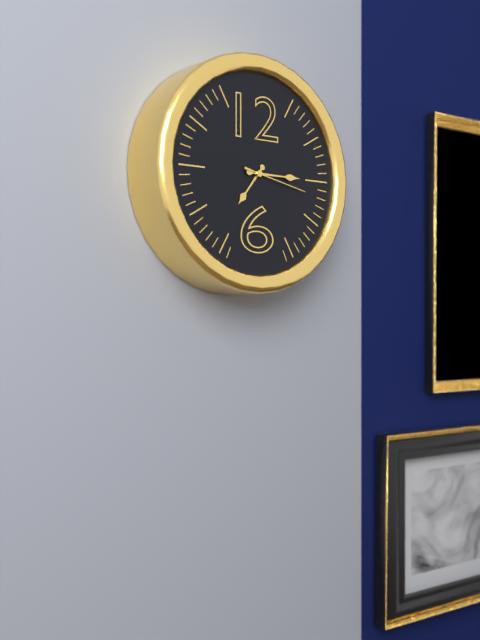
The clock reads 7,15,17
